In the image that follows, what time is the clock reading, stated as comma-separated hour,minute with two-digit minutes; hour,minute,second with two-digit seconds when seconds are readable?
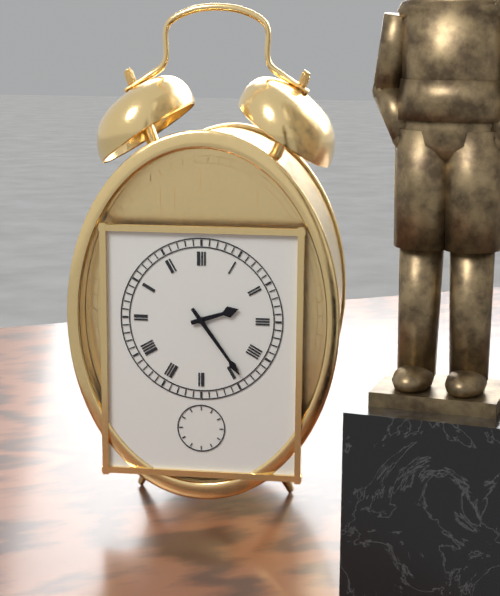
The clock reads 2,24
